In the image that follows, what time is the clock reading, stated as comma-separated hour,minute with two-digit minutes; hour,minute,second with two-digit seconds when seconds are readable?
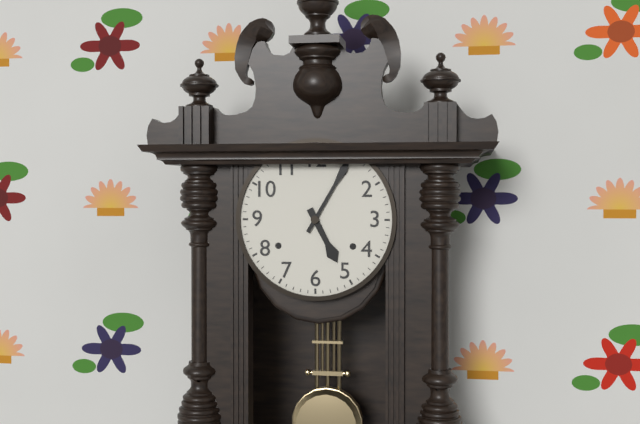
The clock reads 5,05
